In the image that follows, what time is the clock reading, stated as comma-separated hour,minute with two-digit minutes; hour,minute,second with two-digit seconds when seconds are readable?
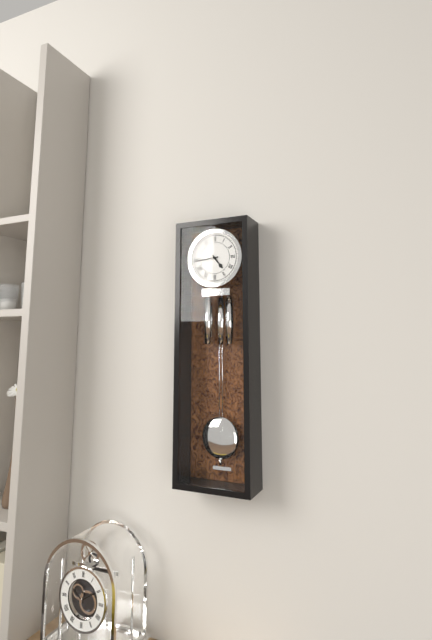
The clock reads 4,44
